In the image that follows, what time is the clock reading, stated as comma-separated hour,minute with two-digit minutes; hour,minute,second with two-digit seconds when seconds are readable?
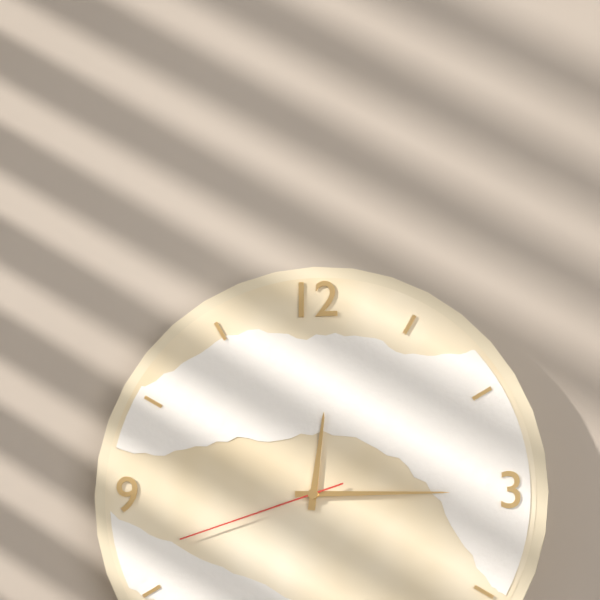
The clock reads 12,15,42
